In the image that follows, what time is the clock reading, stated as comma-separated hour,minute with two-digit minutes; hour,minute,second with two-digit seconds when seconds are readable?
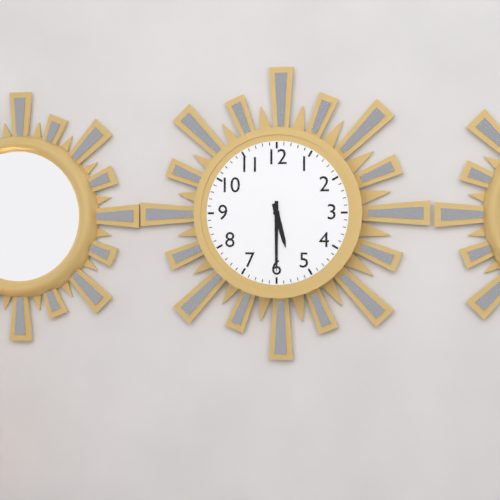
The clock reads 5,30
